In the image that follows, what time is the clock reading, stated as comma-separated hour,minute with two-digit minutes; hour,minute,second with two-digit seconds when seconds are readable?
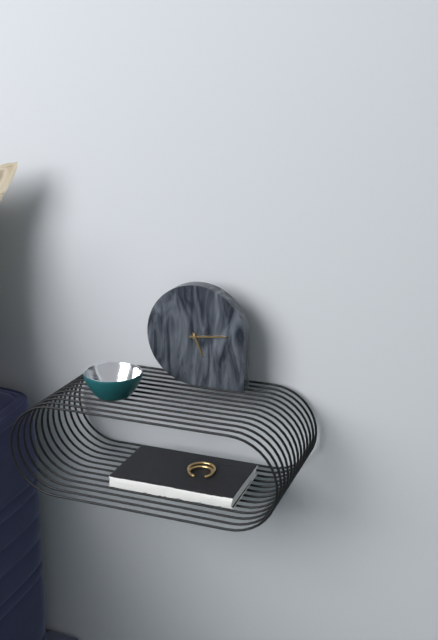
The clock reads 5,14
